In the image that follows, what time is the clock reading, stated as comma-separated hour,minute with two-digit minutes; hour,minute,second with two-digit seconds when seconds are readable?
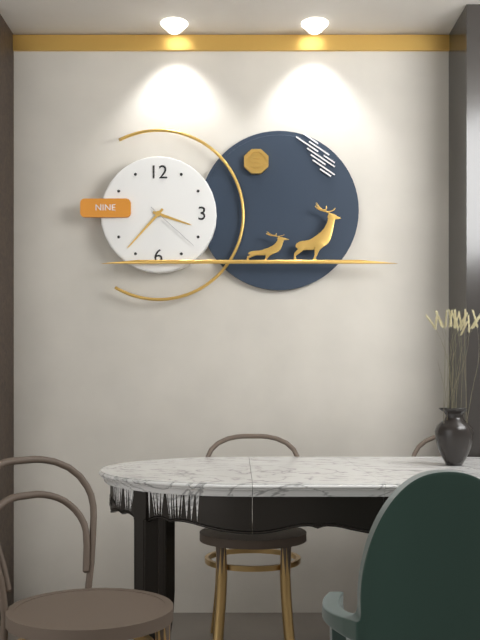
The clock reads 3,37,22
